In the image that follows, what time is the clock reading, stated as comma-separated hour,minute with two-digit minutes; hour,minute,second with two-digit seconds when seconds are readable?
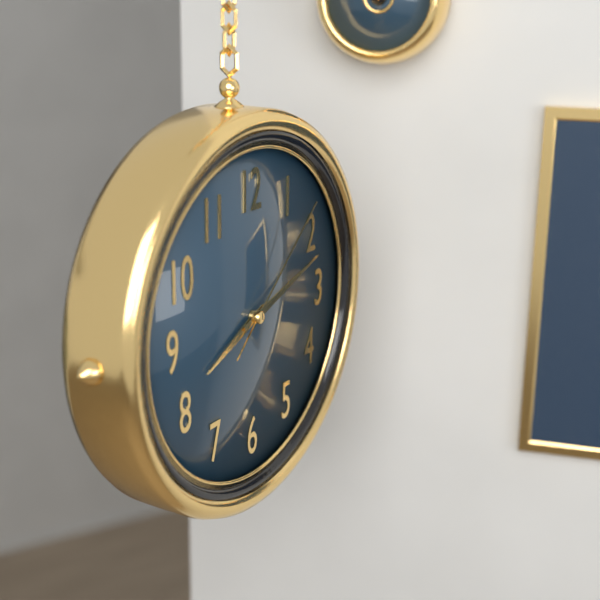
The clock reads 8,12,08
